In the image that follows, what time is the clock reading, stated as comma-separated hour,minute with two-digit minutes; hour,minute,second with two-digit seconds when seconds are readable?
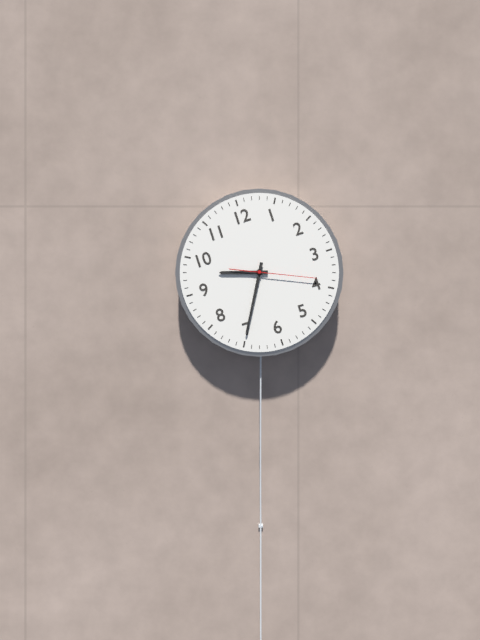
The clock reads 9,35,19
